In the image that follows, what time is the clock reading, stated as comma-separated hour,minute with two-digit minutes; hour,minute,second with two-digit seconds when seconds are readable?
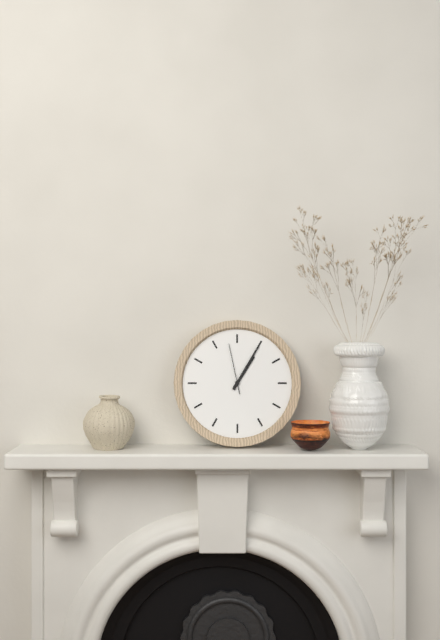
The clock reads 1,05,58
